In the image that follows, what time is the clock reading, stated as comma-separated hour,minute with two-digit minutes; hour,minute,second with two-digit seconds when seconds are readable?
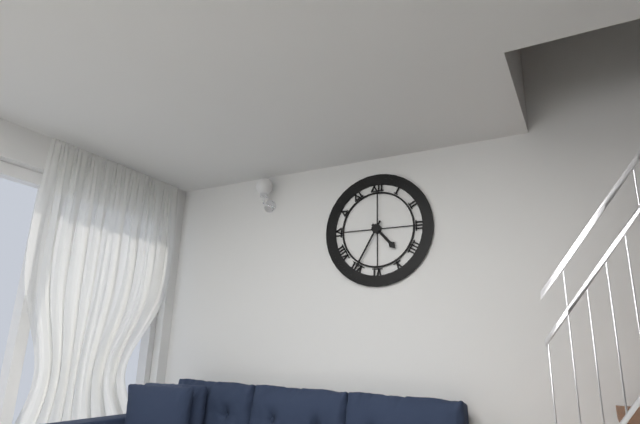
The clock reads 4,35
